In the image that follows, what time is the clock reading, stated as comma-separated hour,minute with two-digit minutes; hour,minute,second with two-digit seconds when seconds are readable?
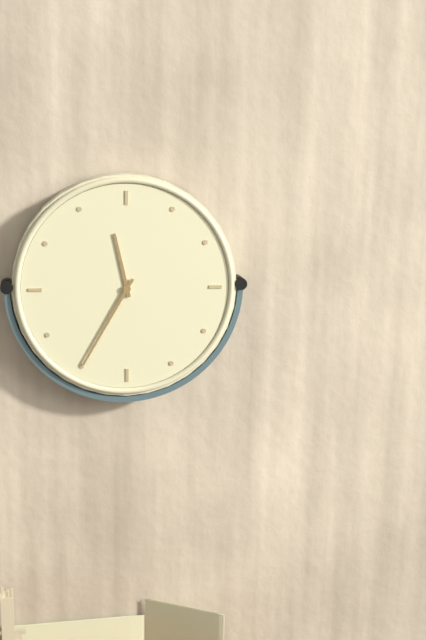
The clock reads 11,35
